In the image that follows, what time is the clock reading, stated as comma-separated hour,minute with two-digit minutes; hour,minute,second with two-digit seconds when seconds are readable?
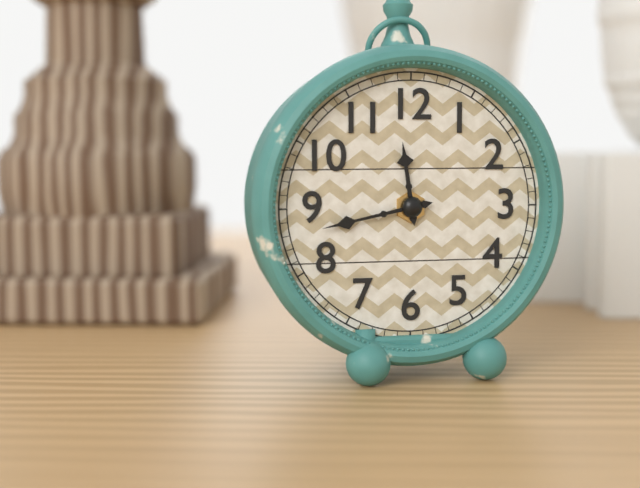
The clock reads 11,43
